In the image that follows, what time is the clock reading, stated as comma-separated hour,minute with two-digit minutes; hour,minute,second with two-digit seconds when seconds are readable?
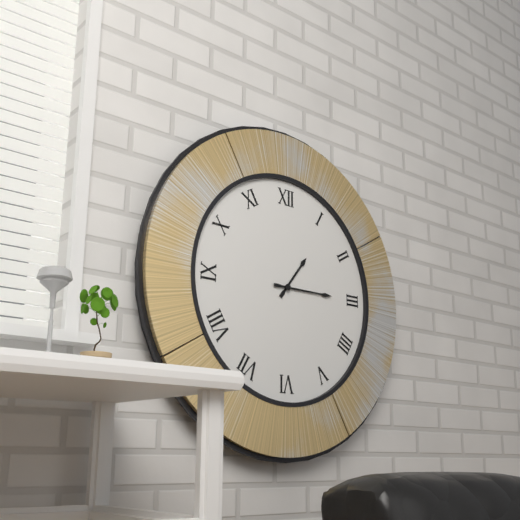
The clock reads 1,15
